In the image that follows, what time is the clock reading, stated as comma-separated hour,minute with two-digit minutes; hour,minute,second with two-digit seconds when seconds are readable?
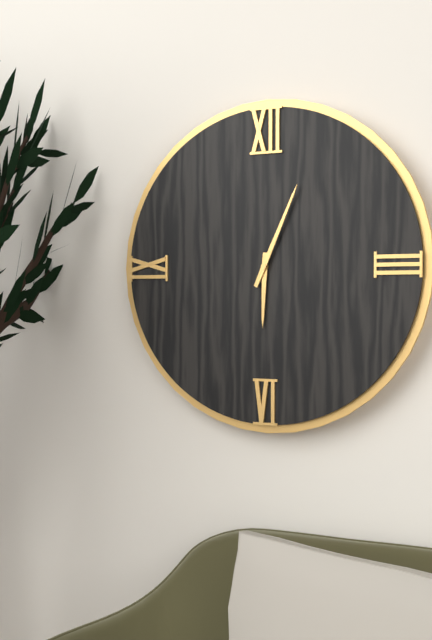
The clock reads 6,04
